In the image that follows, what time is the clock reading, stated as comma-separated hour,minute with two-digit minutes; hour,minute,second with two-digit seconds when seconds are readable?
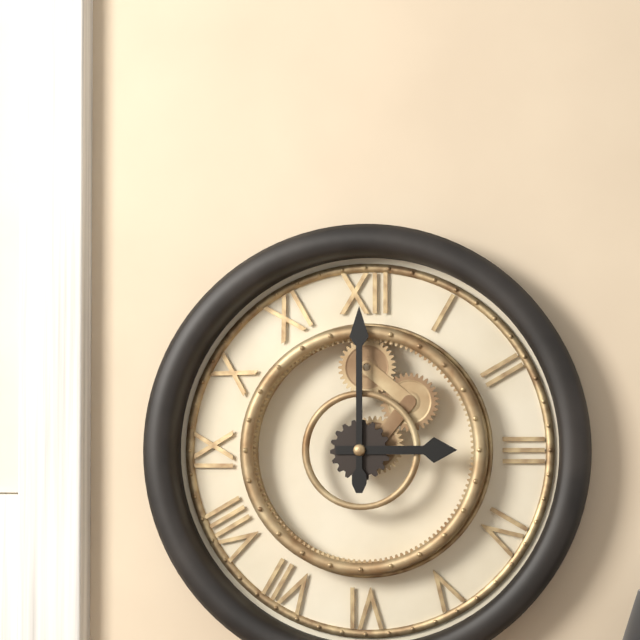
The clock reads 3,00
